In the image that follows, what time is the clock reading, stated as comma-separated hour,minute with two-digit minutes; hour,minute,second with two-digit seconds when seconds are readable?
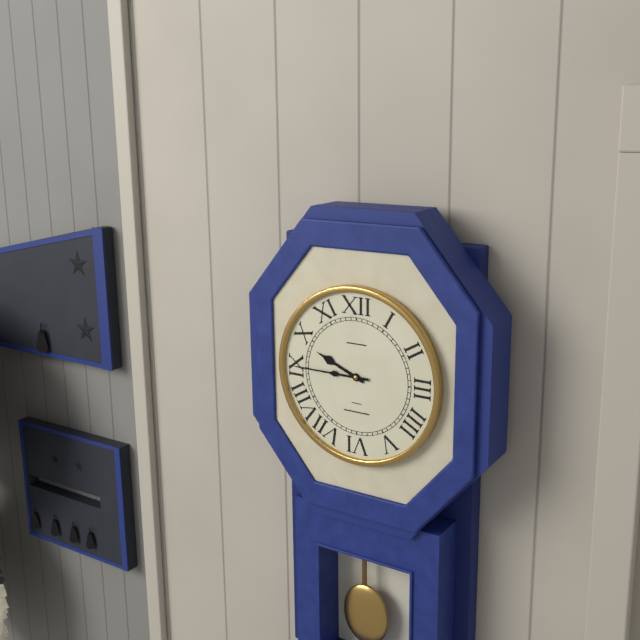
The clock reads 9,45
